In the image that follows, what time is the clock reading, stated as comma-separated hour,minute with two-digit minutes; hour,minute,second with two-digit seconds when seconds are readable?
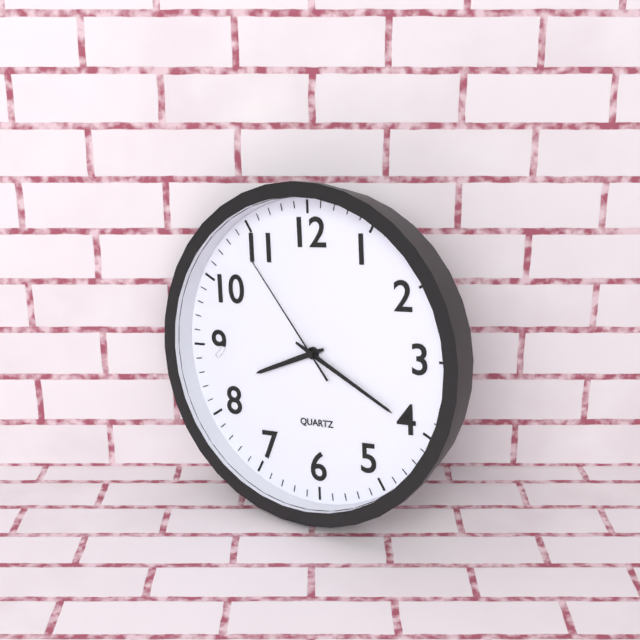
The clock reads 8,20,54
